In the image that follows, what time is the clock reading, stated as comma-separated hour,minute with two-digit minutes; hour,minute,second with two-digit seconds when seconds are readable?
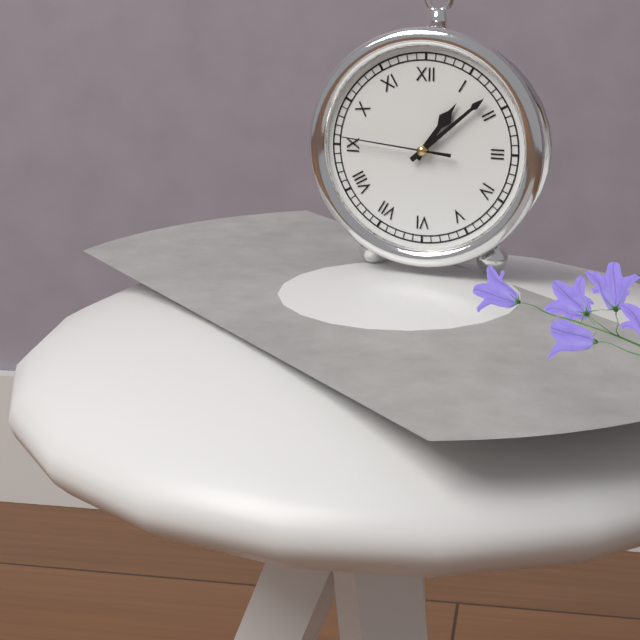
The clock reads 1,08,46
